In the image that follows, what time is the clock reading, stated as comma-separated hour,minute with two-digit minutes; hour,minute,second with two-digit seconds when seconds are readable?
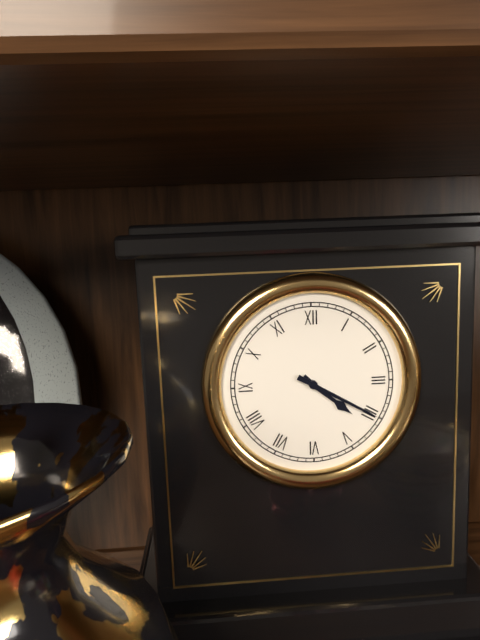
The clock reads 4,20
